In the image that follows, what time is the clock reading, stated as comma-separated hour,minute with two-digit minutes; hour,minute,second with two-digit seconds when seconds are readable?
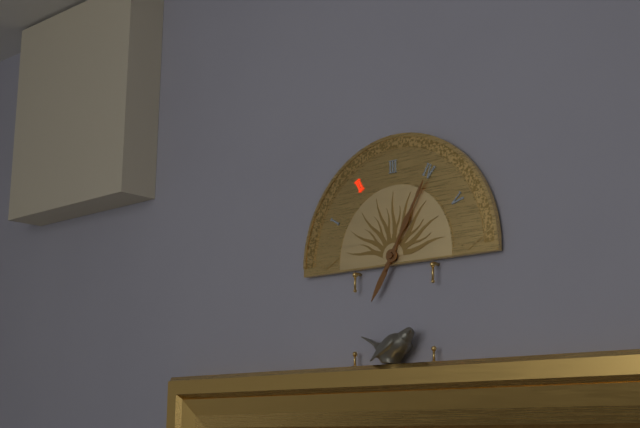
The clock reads 7,05
